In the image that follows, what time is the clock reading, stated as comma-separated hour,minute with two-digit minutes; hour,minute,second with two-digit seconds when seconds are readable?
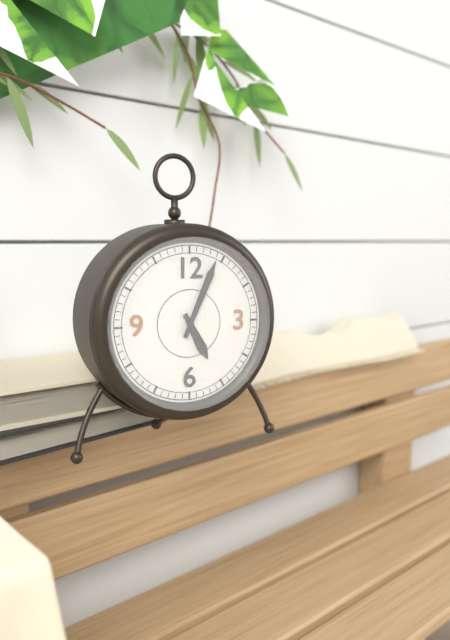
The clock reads 5,04
